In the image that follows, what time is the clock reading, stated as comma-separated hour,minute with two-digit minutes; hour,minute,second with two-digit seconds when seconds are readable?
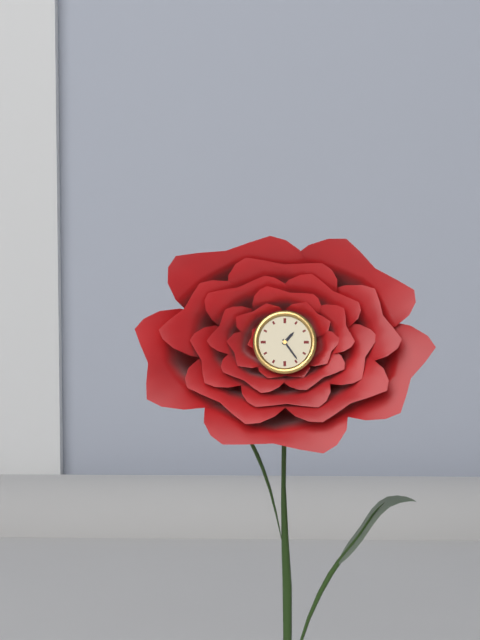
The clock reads 1,24
